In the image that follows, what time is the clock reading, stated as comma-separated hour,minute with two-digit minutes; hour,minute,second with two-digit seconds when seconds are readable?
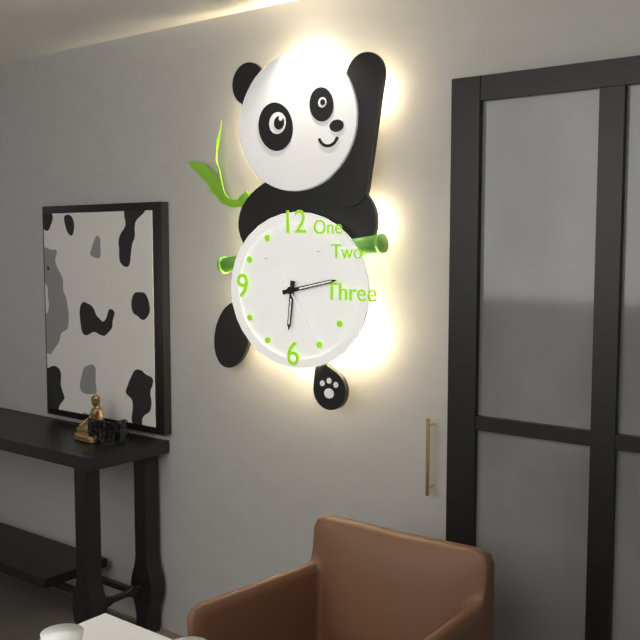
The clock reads 6,13,25
